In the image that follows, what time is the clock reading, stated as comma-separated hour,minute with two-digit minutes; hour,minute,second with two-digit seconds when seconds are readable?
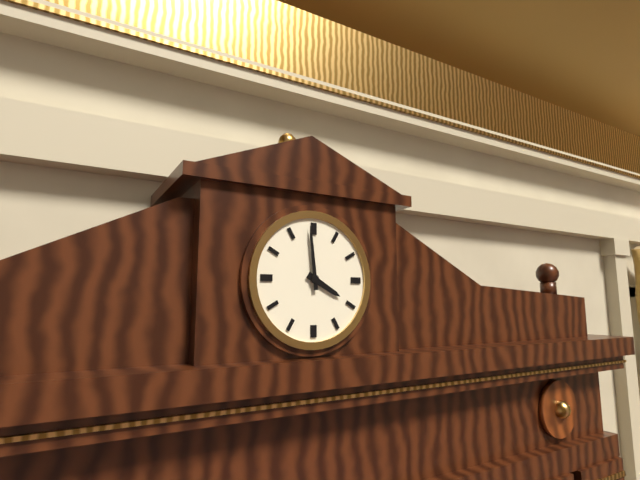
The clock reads 3,59
